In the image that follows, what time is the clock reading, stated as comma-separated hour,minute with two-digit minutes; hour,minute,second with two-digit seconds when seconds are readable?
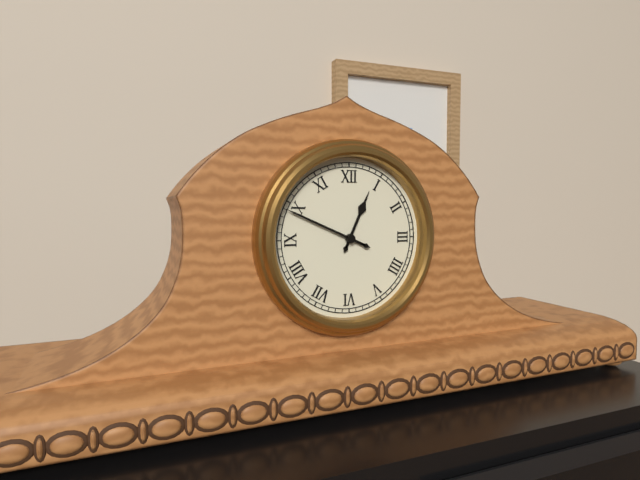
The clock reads 12,49
